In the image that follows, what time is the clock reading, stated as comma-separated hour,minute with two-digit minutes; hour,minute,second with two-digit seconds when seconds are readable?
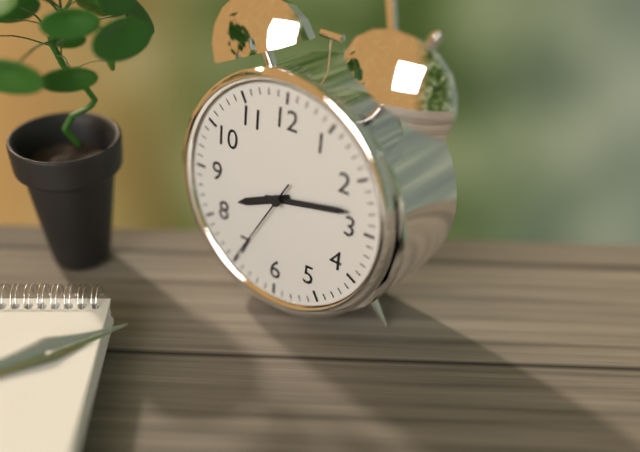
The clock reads 8,13,35
